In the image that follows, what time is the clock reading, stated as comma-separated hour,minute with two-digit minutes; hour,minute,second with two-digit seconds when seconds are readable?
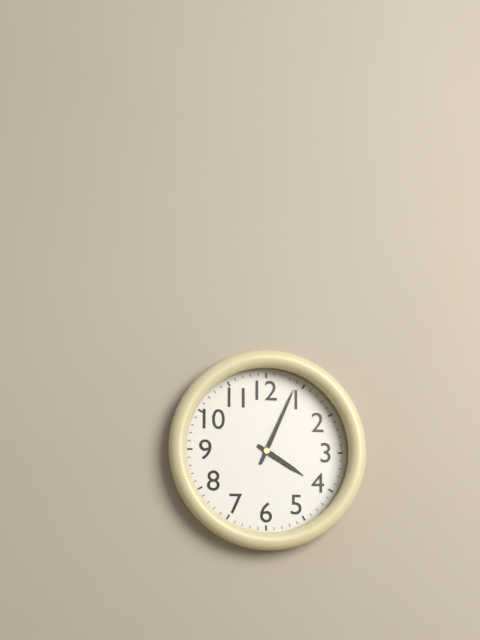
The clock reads 4,04
